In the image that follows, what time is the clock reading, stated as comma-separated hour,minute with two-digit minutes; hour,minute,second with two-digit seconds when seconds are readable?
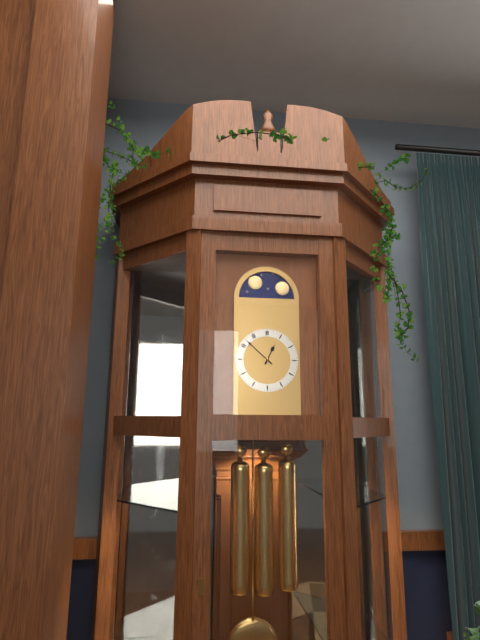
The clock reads 12,52
